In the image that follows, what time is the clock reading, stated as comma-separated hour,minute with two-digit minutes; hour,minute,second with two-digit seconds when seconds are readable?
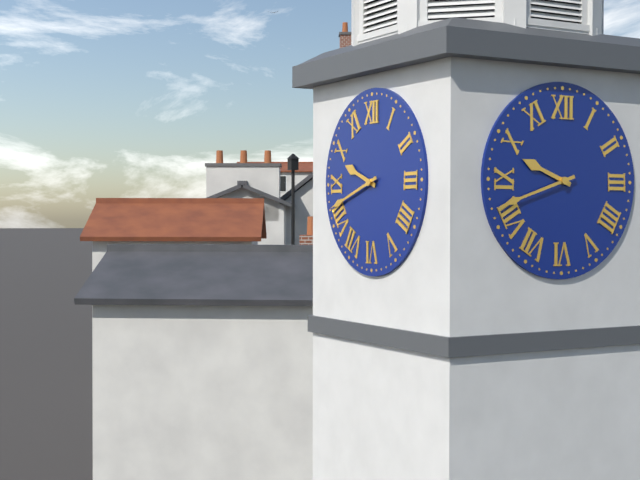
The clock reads 9,42
